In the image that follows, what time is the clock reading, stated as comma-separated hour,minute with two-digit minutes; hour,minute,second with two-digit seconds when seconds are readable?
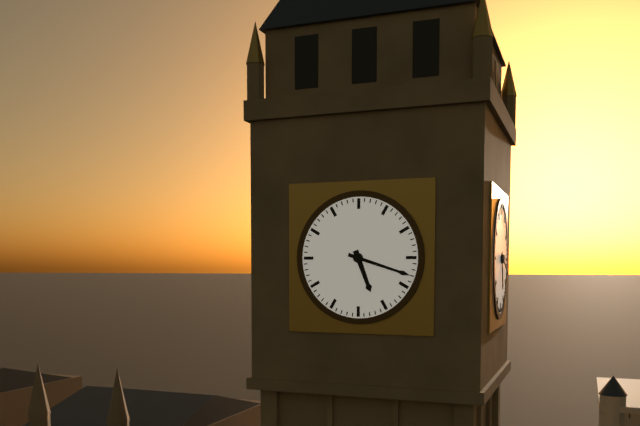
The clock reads 5,18
